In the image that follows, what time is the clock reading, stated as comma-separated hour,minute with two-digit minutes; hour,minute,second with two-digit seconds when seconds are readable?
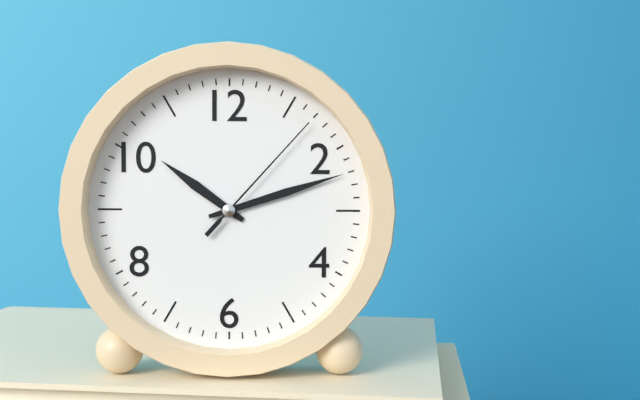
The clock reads 10,12,07
